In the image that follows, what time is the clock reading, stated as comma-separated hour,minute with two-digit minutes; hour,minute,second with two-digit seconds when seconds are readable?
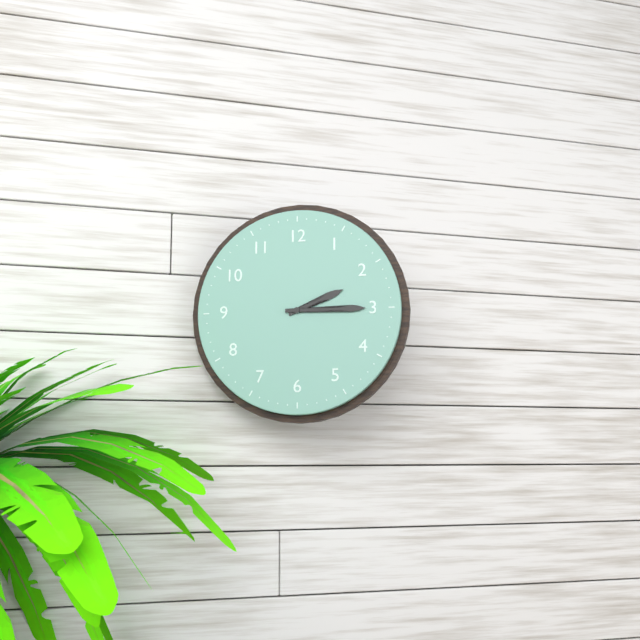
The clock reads 2,15
